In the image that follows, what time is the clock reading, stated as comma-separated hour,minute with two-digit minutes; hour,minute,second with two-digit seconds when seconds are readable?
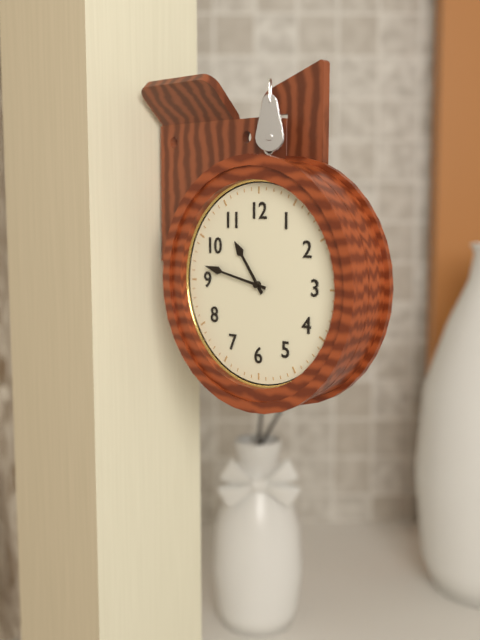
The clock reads 10,47
